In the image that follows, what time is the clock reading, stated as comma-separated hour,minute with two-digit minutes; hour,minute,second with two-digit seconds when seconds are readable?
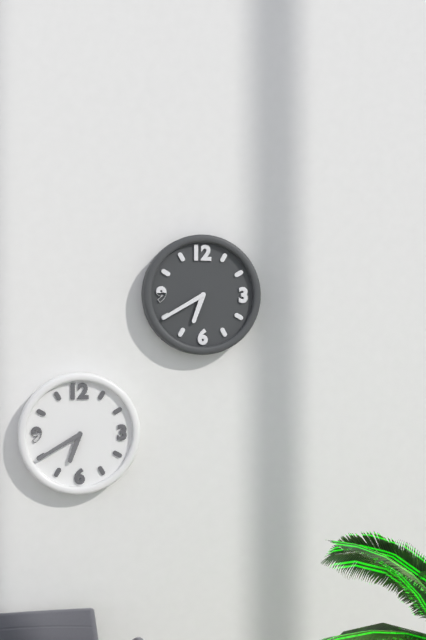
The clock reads 6,40
